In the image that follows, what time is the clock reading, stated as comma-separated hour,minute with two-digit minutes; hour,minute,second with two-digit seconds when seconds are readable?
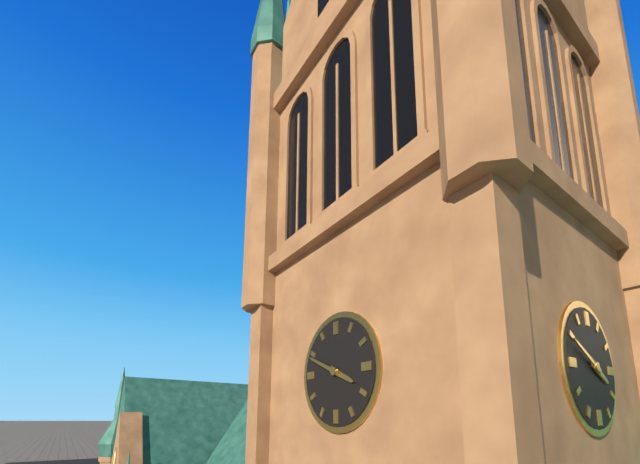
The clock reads 3,49
